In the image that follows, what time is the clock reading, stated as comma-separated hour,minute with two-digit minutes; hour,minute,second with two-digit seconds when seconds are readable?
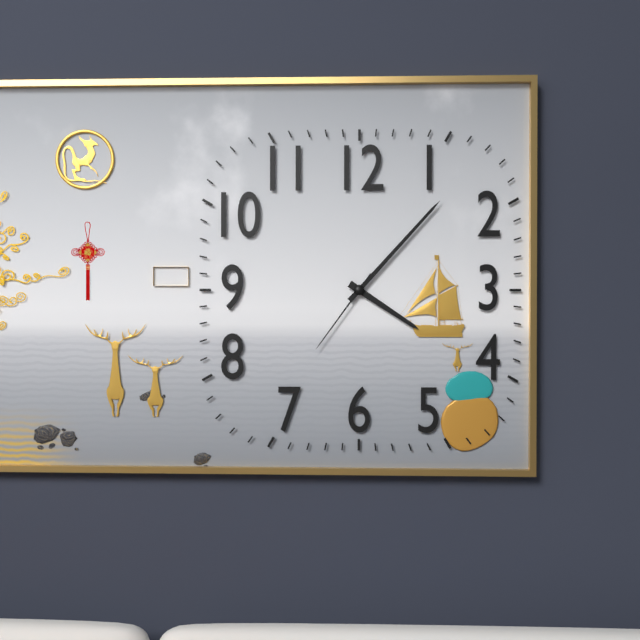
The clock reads 4,07,36
